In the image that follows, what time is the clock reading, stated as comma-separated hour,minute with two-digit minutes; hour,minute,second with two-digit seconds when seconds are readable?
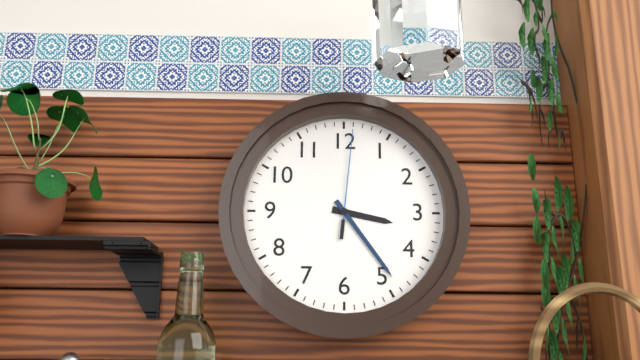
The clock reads 3,24,01
